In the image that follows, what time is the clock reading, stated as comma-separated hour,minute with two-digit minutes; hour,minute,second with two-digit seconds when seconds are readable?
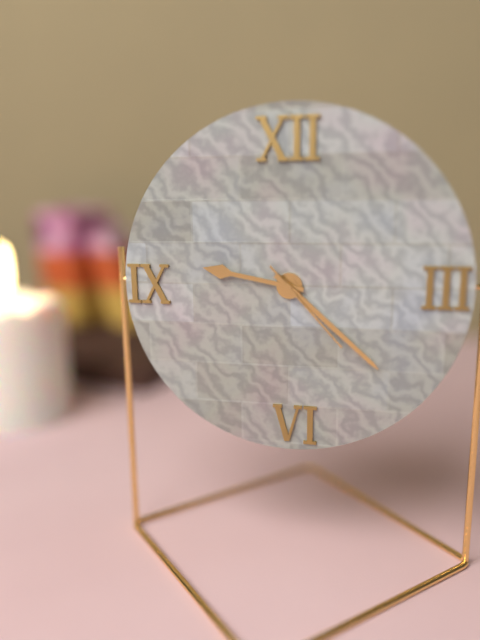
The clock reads 9,22,23
